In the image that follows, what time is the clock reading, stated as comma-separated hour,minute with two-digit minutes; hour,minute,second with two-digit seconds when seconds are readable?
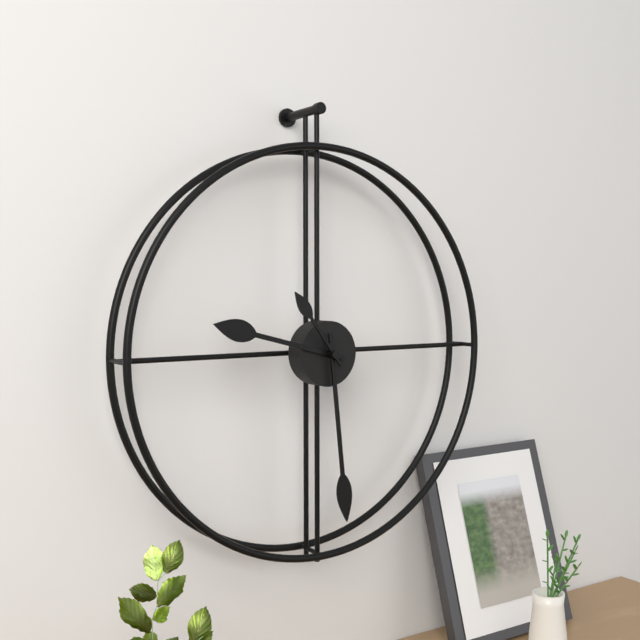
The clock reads 9,29,54
